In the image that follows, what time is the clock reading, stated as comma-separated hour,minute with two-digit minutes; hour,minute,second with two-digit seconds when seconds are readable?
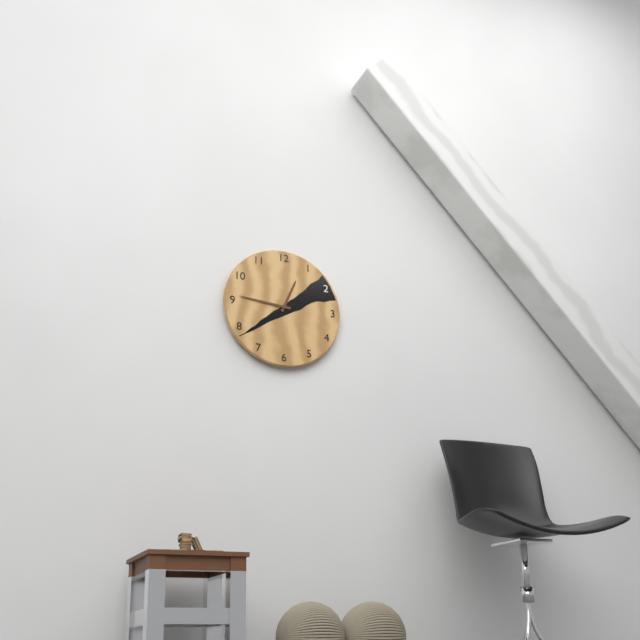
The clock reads 12,46
